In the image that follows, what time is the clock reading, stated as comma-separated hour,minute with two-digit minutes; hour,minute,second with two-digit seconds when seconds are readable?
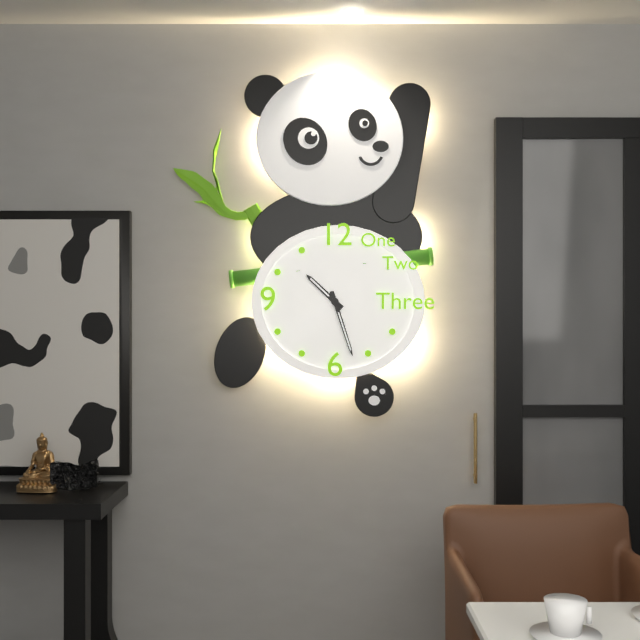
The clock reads 10,27,39
